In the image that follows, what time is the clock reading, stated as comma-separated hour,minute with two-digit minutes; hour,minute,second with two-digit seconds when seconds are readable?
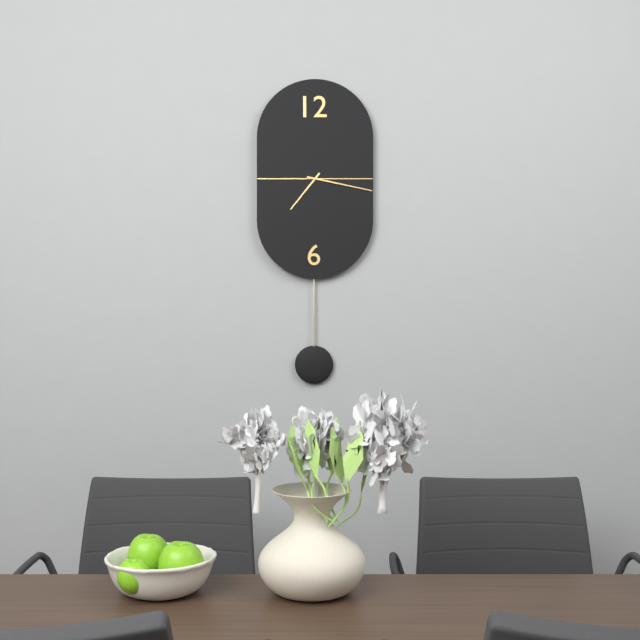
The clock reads 7,17
